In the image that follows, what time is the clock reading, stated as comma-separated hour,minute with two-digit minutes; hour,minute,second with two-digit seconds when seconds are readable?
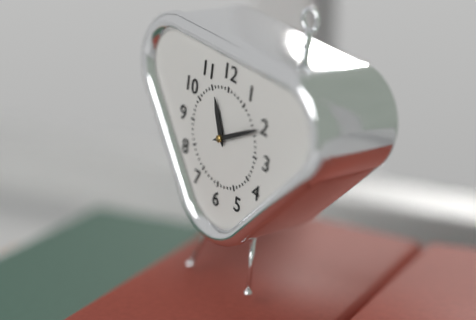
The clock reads 11,10
